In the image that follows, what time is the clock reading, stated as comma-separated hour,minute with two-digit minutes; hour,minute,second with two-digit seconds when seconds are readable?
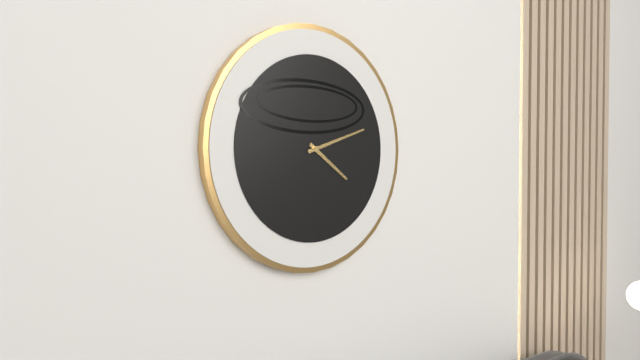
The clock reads 4,12
